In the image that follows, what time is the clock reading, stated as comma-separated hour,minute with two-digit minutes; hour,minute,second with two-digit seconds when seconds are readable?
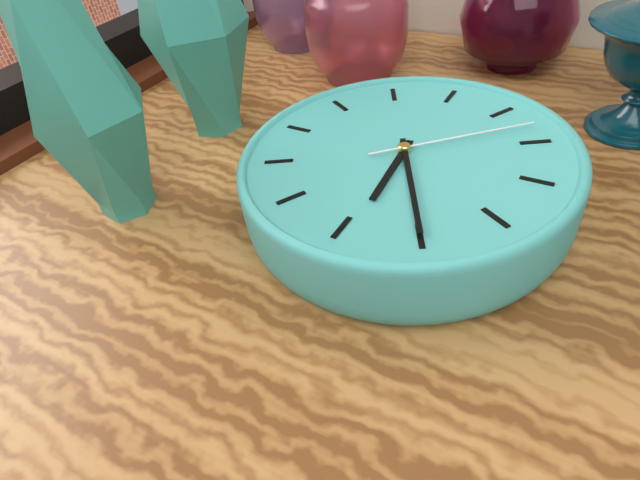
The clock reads 10,50,33
